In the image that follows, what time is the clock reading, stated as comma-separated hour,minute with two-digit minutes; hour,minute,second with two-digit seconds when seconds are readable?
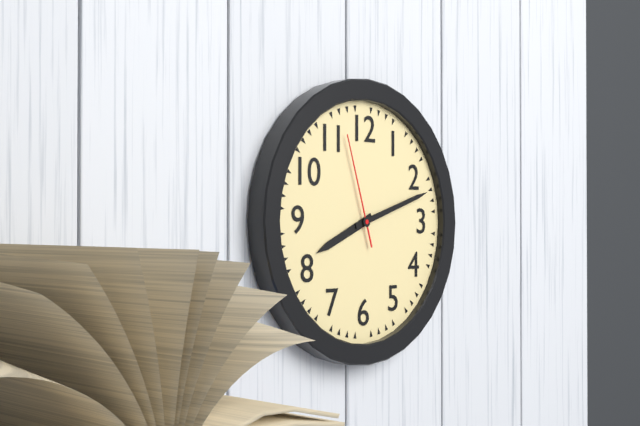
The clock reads 8,12,57
